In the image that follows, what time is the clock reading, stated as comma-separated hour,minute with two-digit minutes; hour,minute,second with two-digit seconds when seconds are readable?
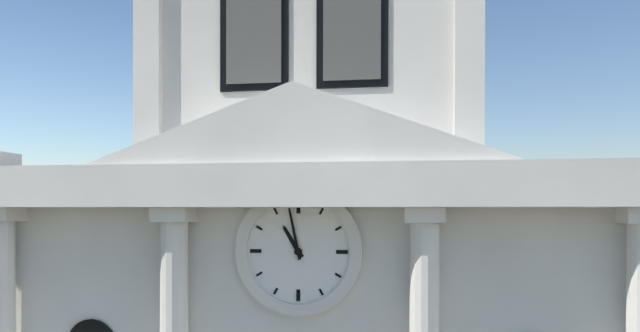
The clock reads 10,58
